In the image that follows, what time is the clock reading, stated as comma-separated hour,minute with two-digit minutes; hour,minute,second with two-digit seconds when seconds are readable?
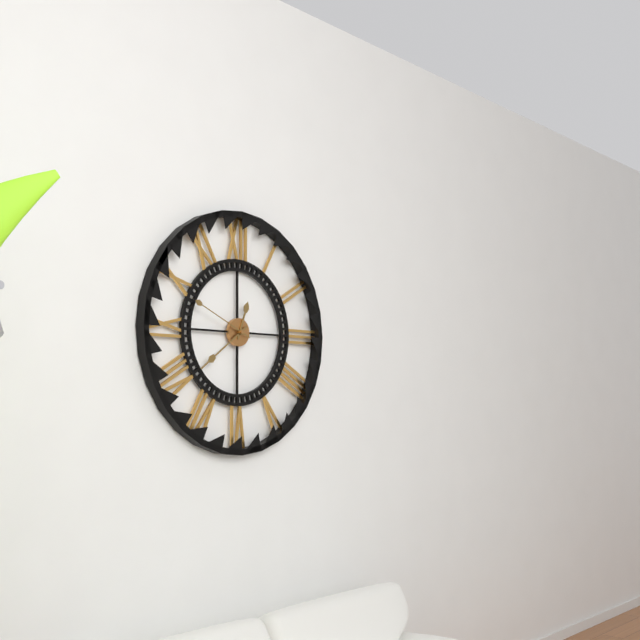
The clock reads 12,39,49
